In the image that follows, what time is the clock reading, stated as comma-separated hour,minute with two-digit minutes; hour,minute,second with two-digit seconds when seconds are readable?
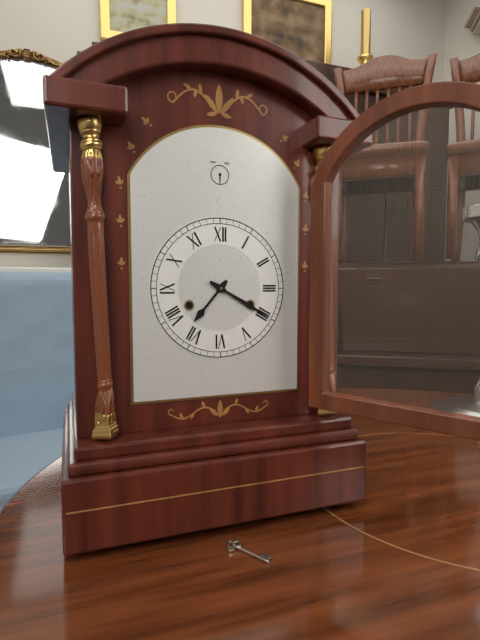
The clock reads 7,20
